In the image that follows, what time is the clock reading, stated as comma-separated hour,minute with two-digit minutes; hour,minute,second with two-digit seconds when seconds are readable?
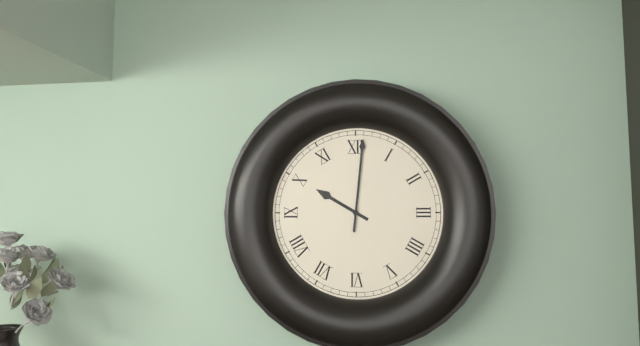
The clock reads 10,01
